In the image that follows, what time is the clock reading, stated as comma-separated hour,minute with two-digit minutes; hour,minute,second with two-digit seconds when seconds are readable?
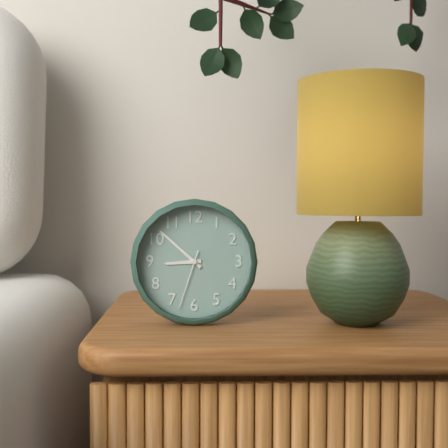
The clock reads 8,52,33
